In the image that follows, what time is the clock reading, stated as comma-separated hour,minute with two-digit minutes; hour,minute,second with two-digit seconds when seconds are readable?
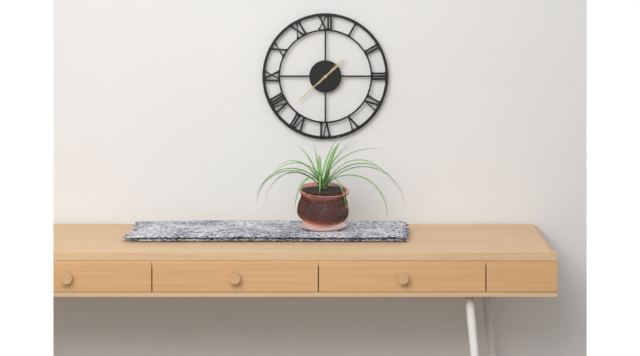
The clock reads 1,38
